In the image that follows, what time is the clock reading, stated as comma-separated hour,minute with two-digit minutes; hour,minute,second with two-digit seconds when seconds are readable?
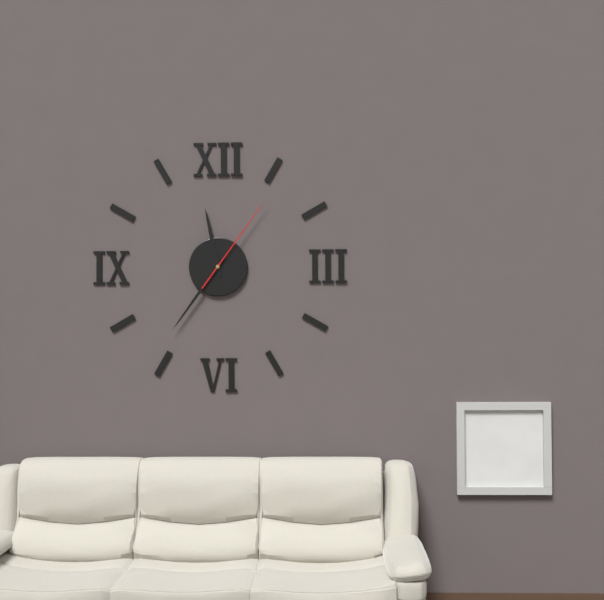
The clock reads 11,36,06
